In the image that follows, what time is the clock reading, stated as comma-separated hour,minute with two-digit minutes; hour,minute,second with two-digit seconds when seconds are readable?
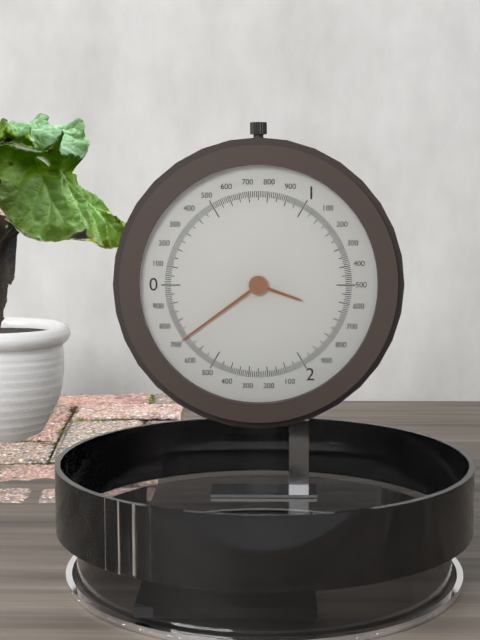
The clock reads 3,39
